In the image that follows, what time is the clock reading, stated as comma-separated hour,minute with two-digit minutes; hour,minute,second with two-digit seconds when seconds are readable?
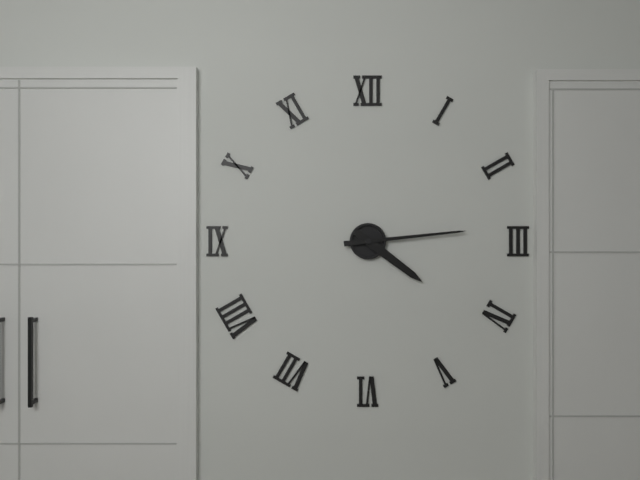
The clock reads 4,14
